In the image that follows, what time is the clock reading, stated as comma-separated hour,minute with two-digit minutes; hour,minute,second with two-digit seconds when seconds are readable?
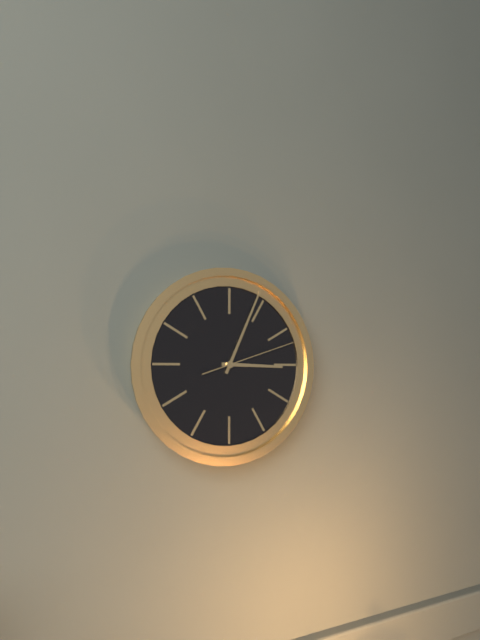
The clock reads 3,04,12
